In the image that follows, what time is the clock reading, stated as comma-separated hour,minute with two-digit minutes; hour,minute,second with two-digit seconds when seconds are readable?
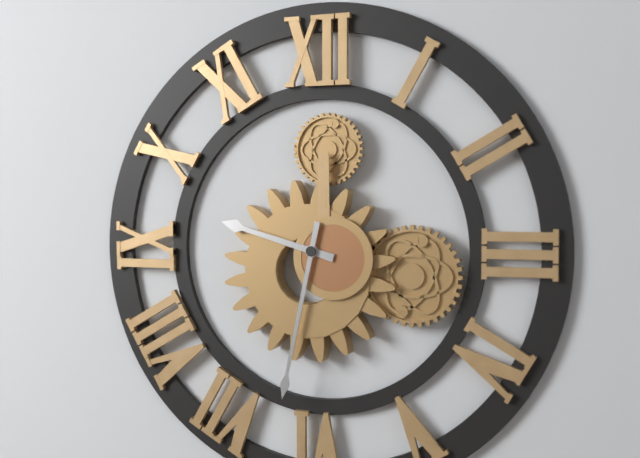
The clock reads 9,32
